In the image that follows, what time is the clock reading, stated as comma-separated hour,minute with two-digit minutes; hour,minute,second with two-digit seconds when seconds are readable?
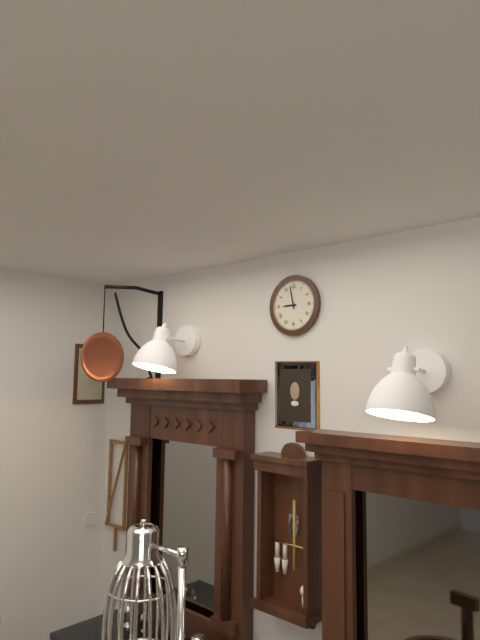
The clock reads 8,58
